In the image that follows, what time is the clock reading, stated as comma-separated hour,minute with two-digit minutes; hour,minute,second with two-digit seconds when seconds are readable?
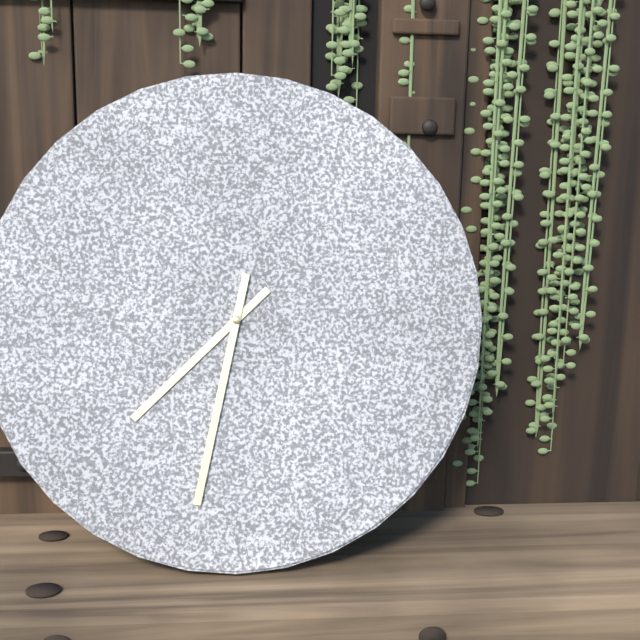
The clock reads 7,32
